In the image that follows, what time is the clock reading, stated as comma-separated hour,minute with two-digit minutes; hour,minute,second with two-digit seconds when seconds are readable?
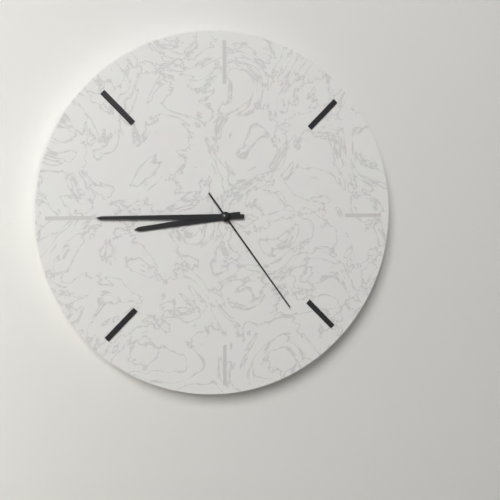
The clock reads 8,45,24
